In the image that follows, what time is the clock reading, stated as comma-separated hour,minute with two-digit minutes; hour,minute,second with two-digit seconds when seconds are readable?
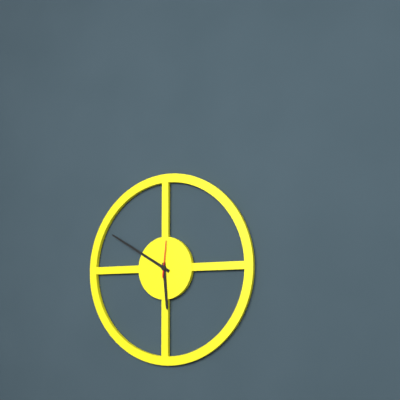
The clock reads 5,50
